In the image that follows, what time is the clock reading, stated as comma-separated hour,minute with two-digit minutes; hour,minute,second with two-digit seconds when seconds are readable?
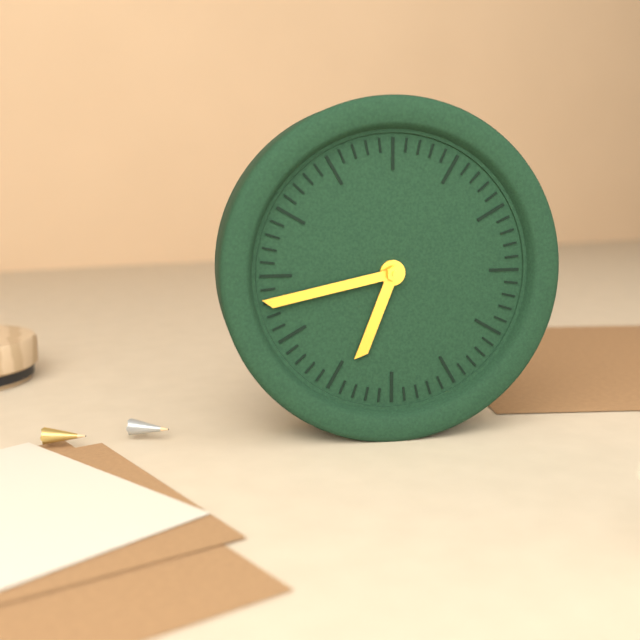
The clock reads 6,43
